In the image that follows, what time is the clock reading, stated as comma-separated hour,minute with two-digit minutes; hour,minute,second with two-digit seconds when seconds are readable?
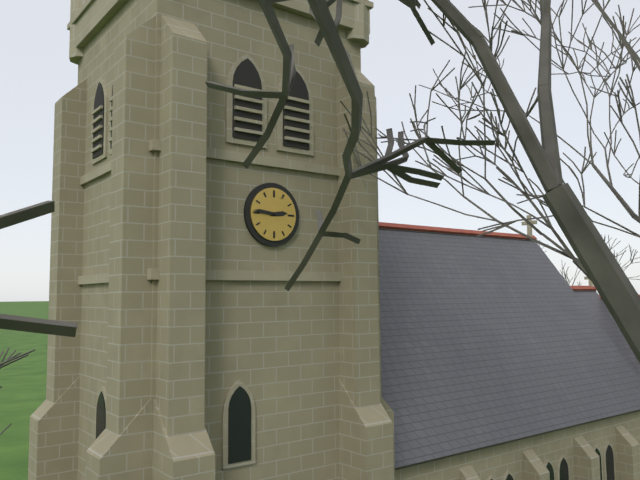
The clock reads 2,46
